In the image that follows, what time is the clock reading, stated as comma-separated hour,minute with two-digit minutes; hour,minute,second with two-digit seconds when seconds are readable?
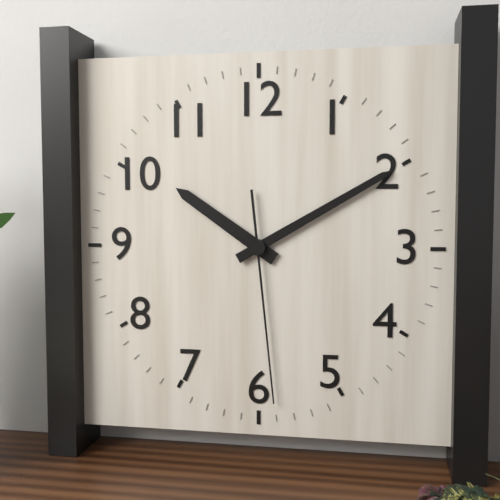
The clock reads 10,10,29
